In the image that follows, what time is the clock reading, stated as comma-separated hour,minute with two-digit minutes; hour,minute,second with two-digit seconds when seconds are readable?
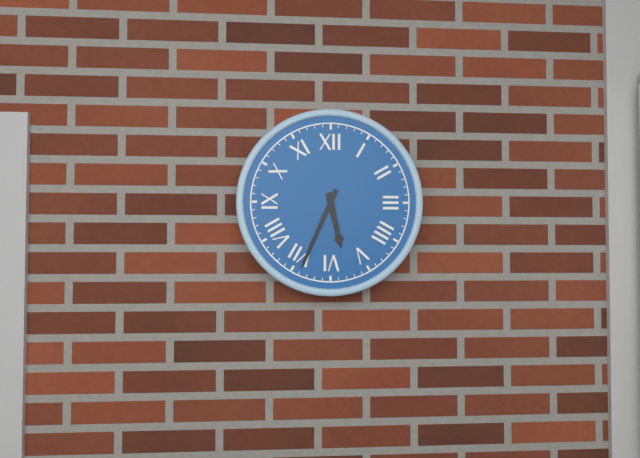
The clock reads 5,34
